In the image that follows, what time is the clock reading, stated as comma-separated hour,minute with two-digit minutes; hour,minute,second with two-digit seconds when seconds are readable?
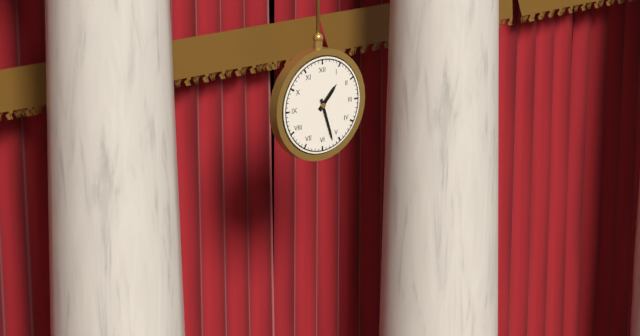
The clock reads 1,27
